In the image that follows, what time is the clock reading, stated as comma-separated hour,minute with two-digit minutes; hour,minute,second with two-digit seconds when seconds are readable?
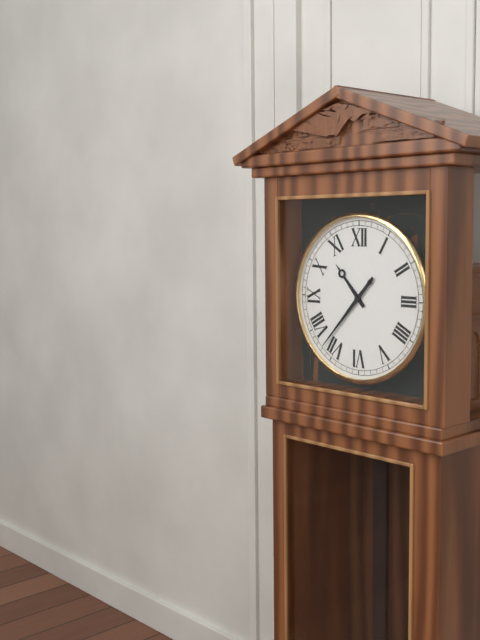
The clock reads 10,37
